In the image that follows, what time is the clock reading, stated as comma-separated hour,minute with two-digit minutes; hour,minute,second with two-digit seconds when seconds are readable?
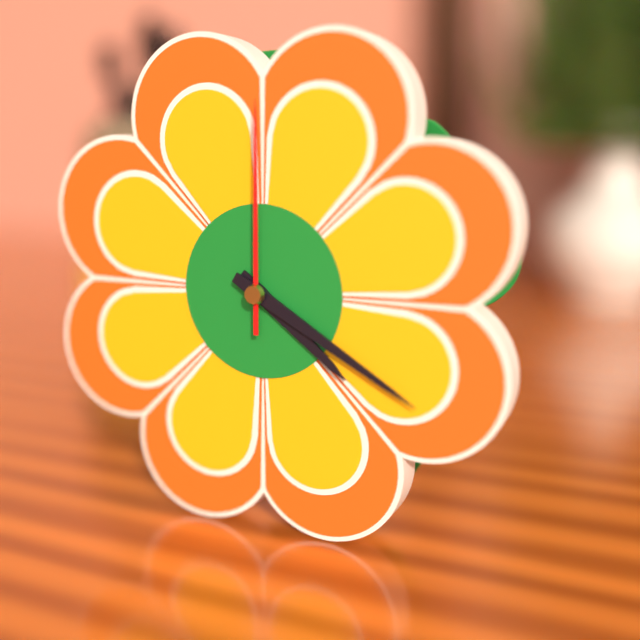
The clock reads 4,20,00
